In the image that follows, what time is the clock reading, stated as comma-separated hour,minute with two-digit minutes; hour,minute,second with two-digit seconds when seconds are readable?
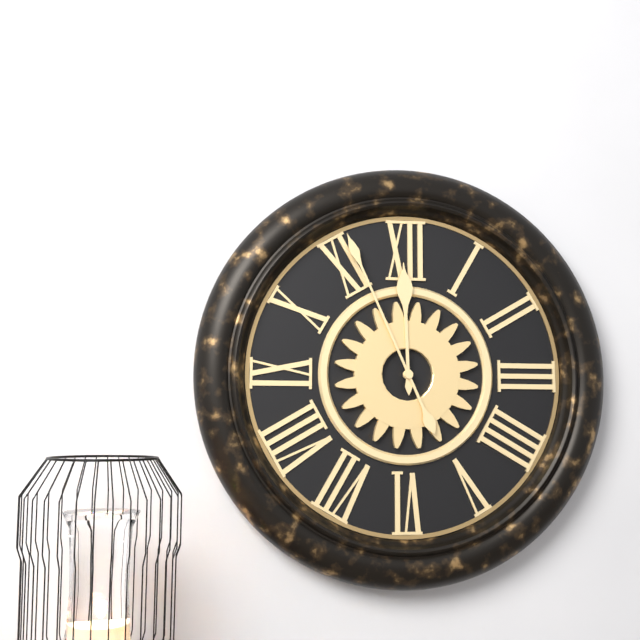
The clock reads 11,56
